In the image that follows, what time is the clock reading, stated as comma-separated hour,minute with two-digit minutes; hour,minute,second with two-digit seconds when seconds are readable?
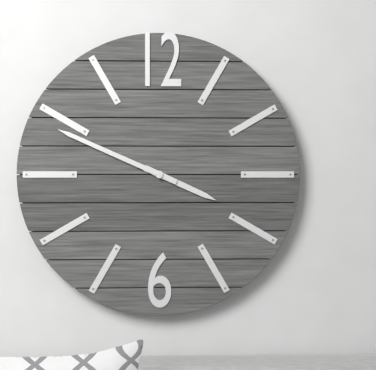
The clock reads 3,49
